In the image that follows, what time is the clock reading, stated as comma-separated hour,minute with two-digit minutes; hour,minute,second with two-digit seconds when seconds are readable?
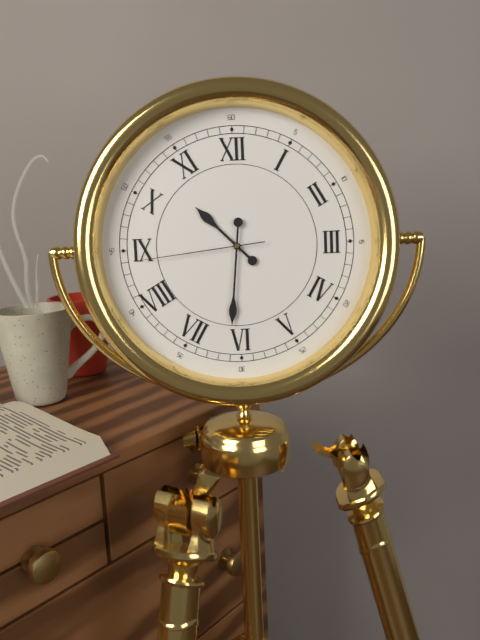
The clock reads 10,31,44
